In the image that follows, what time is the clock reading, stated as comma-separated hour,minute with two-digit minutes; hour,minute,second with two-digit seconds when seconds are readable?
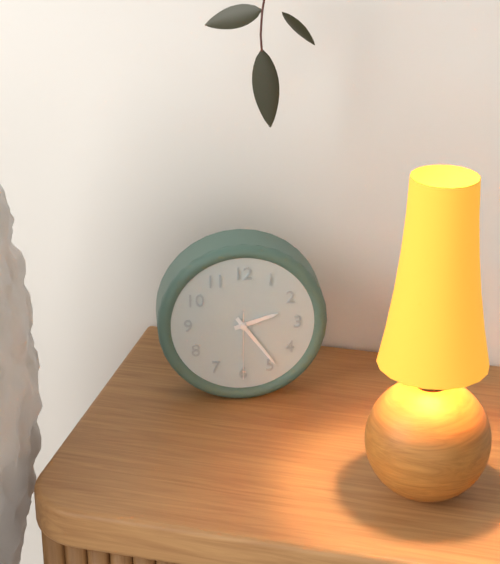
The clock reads 2,24,30
